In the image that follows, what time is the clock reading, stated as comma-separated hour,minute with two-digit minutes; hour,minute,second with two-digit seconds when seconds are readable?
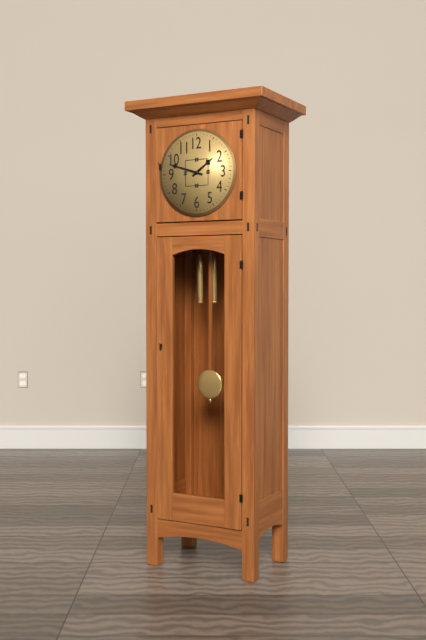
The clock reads 1,48
